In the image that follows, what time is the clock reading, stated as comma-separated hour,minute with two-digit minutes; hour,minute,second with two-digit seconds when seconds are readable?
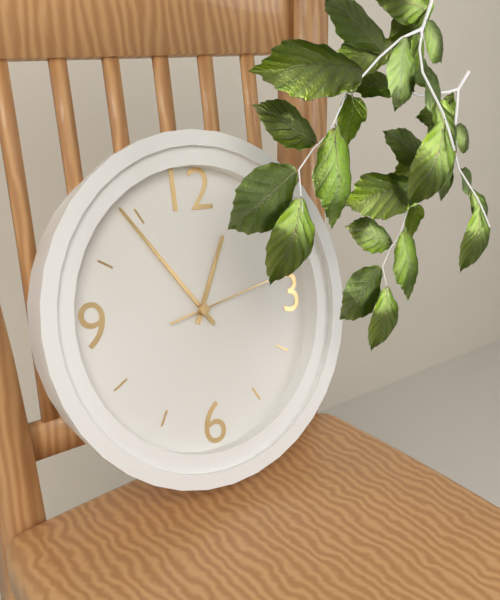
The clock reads 12,54,13
